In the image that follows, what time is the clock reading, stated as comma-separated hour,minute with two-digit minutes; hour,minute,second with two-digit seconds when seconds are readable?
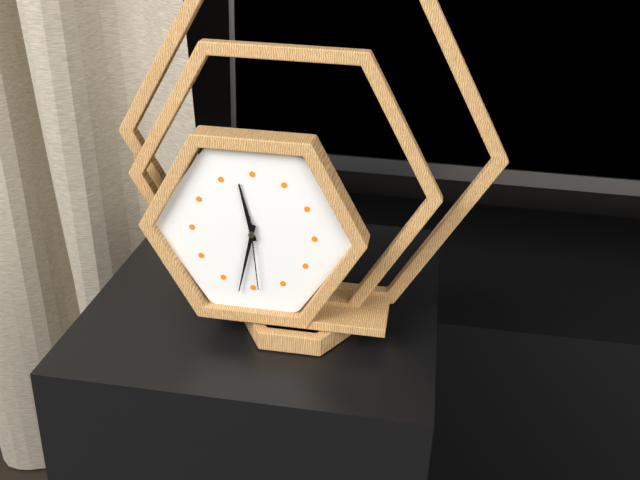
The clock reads 11,32,29
